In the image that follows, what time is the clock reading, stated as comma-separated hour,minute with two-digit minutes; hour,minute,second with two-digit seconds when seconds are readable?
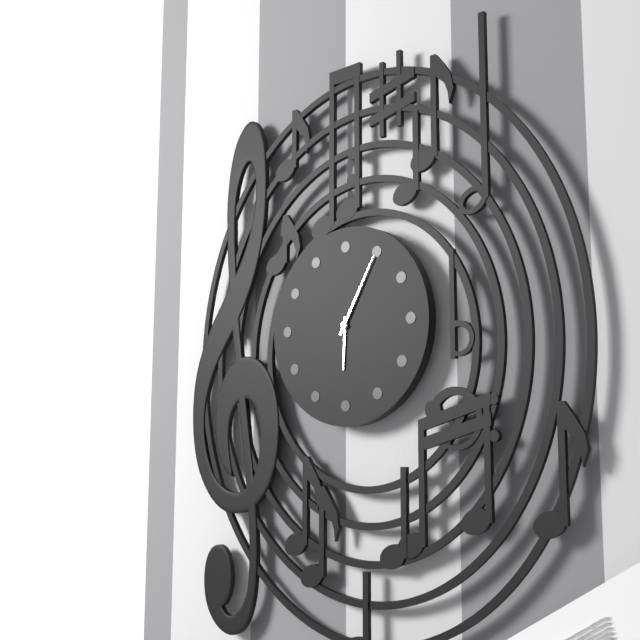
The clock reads 6,05
